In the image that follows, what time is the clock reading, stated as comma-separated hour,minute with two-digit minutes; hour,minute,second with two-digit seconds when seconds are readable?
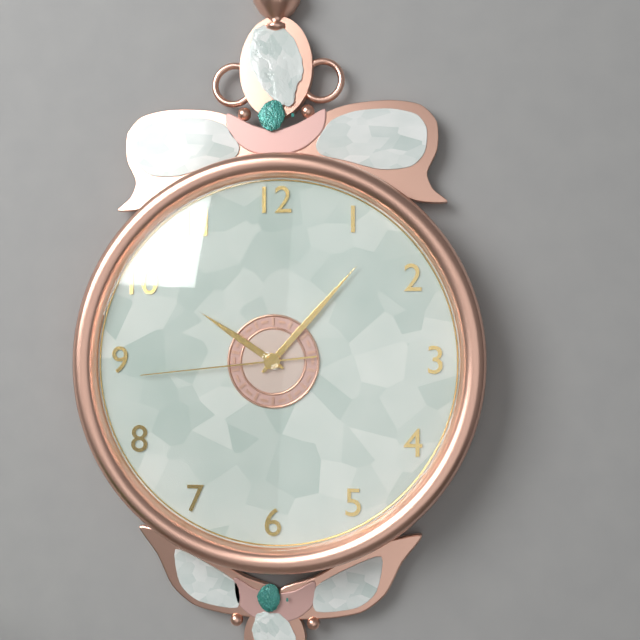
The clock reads 10,07,44
